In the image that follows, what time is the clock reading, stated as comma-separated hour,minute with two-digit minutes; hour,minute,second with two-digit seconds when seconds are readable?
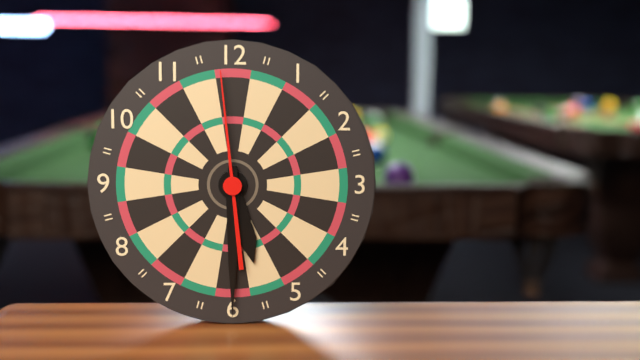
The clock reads 5,30,59
